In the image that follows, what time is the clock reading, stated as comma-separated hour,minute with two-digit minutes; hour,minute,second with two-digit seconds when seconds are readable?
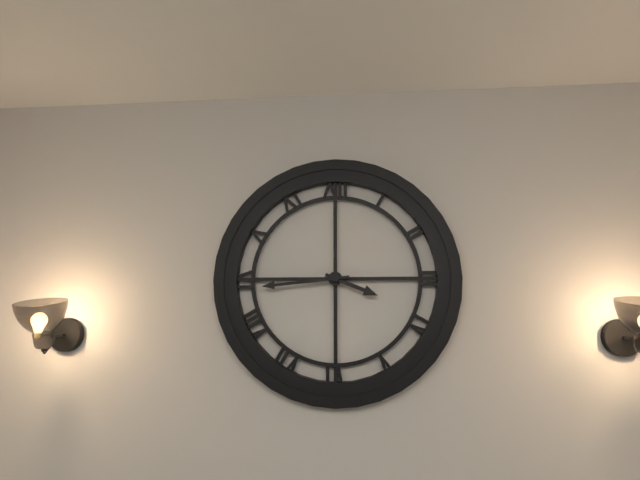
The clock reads 3,44
